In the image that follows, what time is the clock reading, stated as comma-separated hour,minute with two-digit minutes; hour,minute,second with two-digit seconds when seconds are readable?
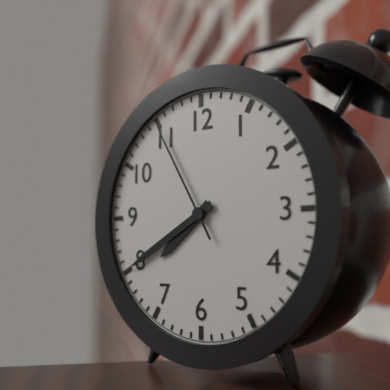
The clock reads 7,40,55
